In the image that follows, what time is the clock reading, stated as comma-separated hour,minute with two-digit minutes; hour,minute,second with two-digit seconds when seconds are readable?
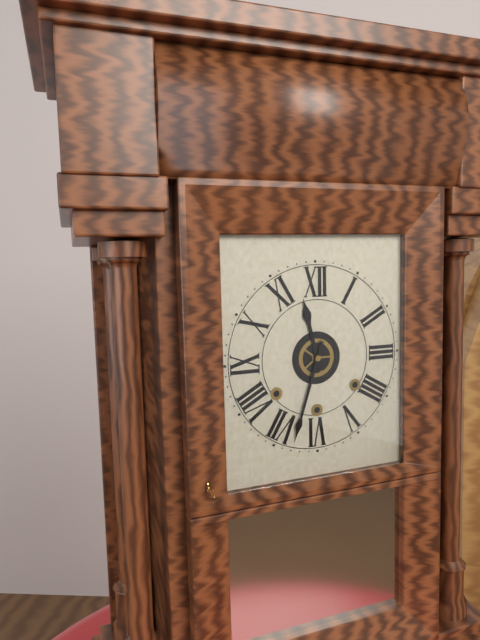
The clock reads 11,33
